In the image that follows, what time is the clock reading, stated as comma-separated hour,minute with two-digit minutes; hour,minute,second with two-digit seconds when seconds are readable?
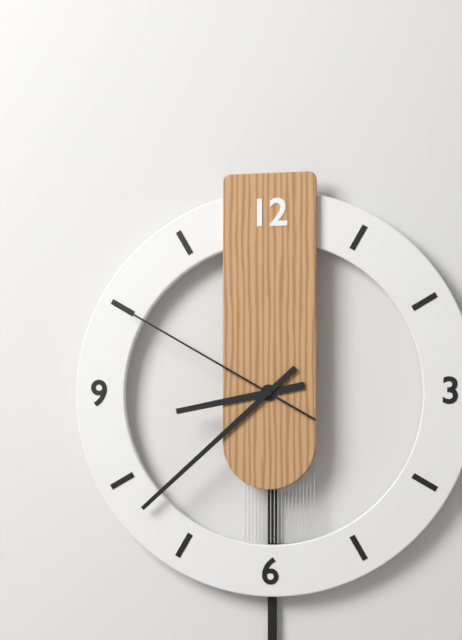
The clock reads 8,38,50
